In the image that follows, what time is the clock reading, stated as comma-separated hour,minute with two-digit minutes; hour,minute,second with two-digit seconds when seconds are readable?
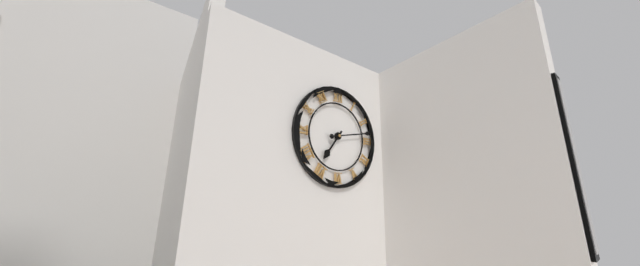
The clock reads 7,13
